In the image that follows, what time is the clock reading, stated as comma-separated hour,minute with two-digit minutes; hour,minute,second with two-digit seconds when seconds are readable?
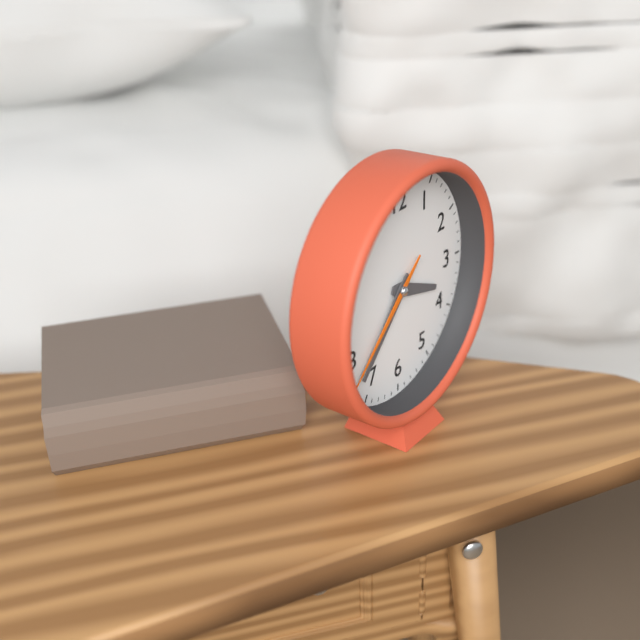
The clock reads 3,37,38
